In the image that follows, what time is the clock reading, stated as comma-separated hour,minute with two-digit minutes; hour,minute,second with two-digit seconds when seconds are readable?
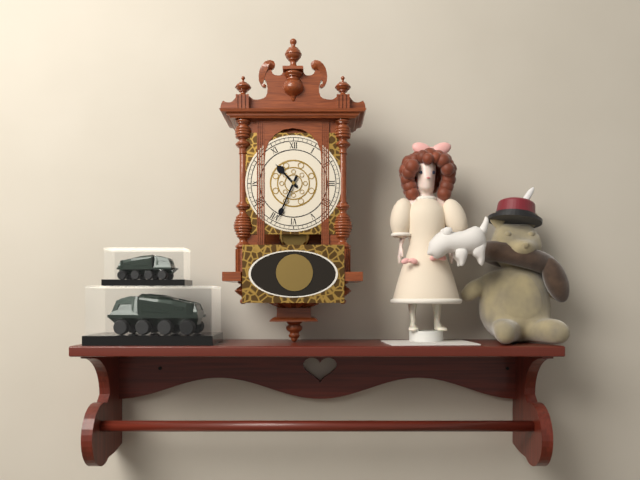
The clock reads 10,34
